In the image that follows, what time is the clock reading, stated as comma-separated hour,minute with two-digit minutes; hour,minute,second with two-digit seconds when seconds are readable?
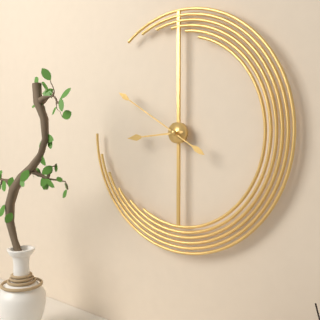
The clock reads 8,50
